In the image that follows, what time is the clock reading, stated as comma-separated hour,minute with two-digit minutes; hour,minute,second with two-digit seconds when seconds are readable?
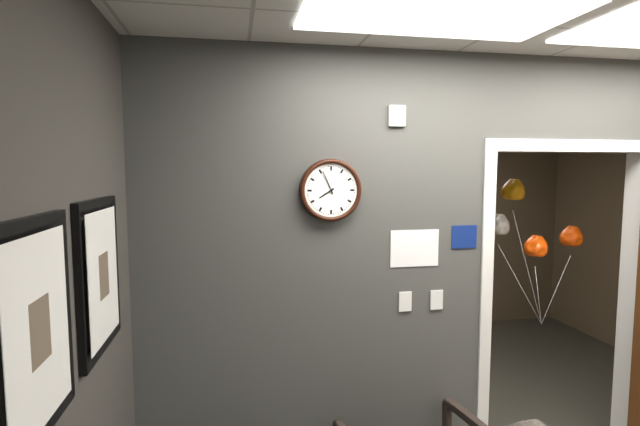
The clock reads 7,56
